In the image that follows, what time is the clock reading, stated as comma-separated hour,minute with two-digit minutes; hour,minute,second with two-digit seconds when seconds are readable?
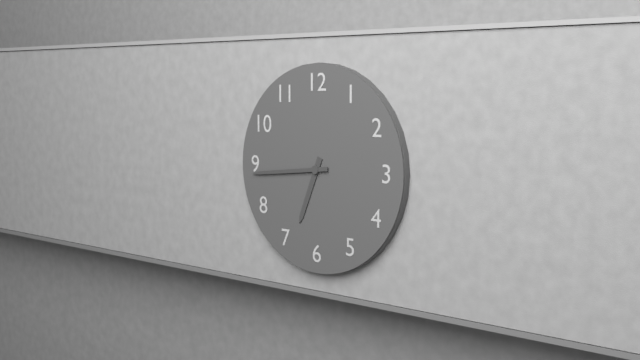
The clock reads 6,44
